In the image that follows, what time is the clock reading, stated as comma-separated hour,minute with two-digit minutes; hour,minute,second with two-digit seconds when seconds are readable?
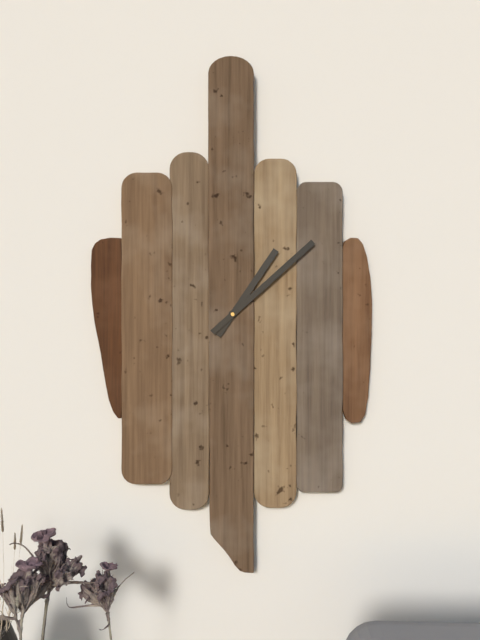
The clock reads 1,08
